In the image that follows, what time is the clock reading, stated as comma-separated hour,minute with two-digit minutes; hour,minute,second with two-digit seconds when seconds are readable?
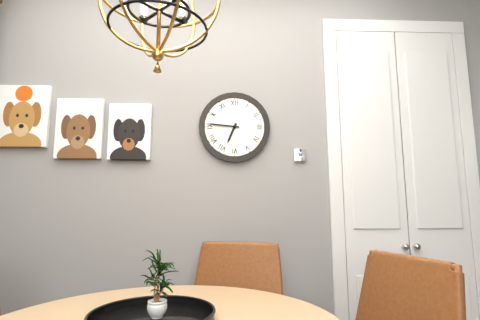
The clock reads 6,46
